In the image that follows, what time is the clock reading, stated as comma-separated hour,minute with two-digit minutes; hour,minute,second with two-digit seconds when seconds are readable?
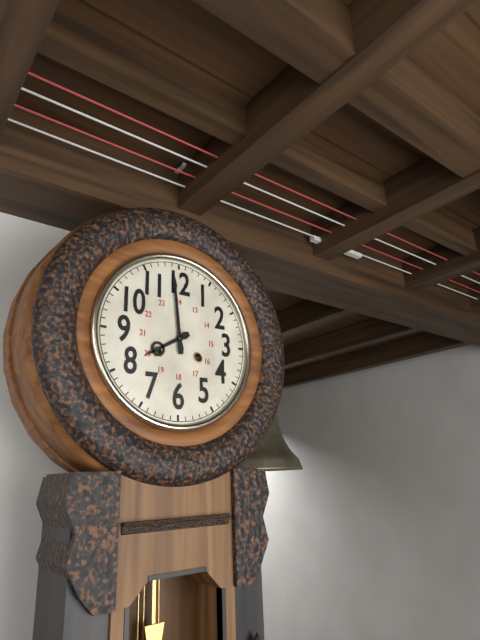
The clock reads 7,59
